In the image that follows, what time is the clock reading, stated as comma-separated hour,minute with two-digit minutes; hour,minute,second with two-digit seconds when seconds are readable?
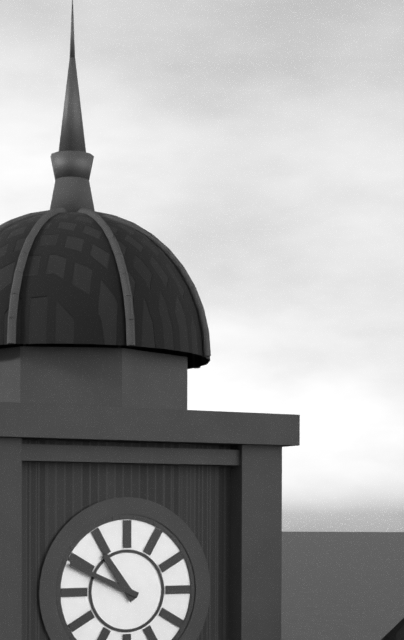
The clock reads 10,49
